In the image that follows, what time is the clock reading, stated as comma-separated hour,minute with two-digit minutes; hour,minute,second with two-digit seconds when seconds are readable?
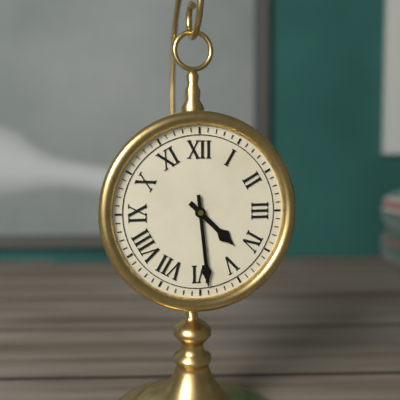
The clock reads 4,29
